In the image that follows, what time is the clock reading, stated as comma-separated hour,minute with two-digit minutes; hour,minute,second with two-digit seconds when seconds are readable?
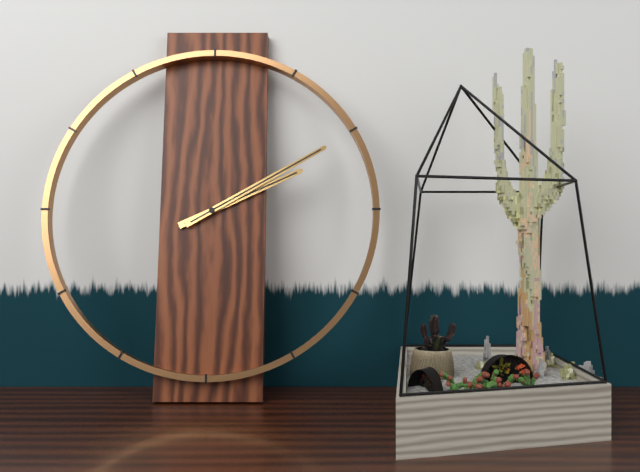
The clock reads 2,10
